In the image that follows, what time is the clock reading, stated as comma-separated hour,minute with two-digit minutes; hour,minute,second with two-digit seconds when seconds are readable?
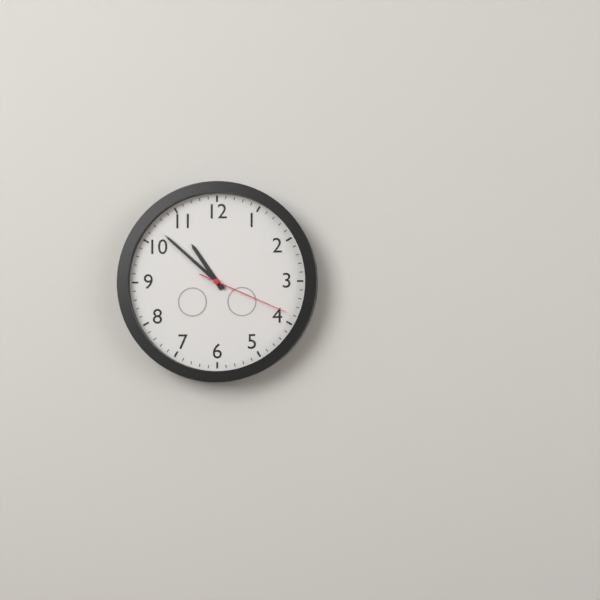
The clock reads 10,52,19
